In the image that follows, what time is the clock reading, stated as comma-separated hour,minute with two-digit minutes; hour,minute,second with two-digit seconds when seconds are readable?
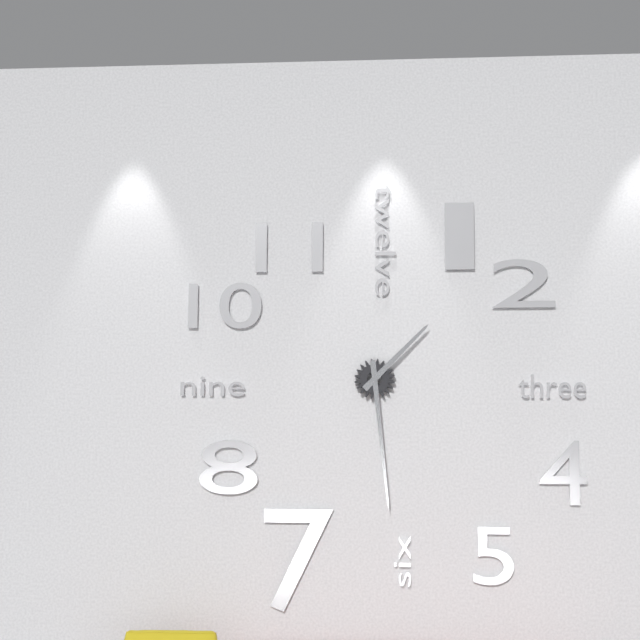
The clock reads 1,29
